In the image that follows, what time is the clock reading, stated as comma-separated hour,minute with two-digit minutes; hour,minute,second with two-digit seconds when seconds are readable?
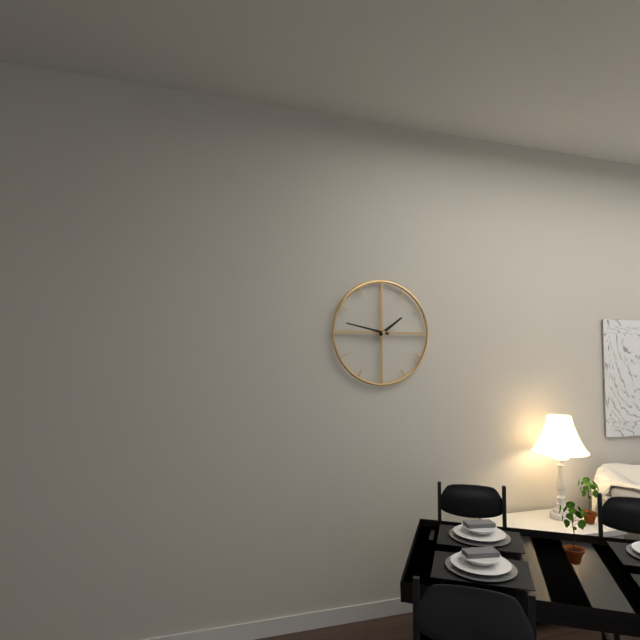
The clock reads 1,47
